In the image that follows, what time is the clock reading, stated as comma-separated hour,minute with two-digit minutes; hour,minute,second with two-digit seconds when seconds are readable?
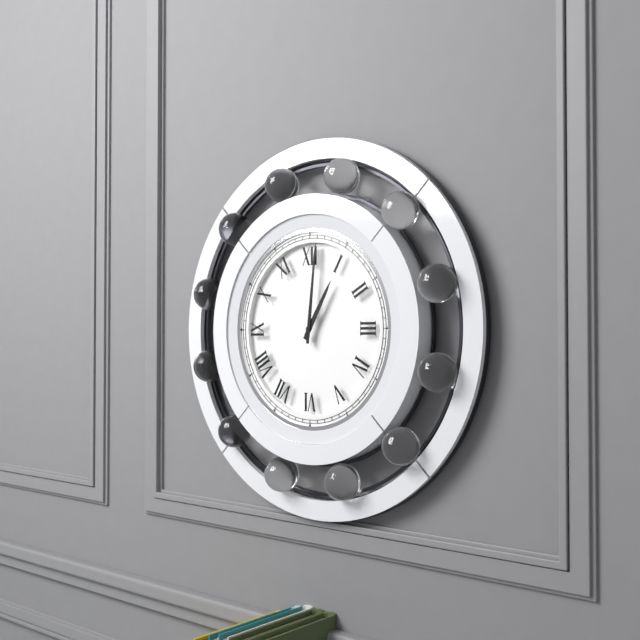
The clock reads 1,01
